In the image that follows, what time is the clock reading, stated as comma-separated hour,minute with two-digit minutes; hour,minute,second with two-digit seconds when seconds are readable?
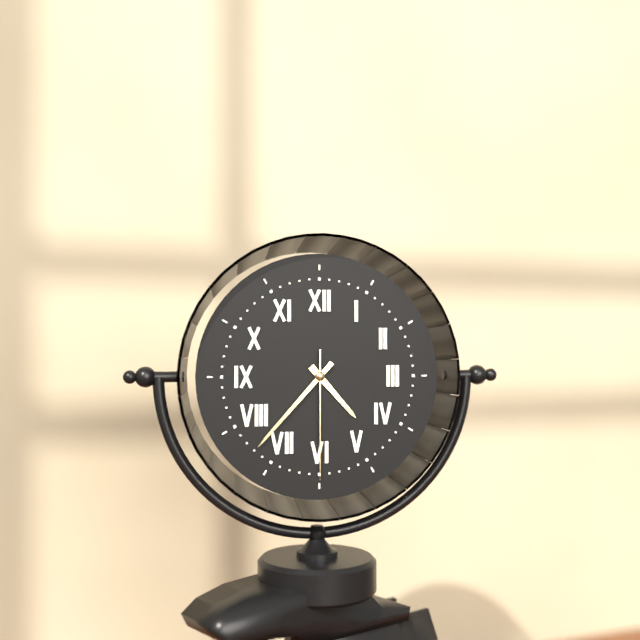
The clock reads 4,37,30
